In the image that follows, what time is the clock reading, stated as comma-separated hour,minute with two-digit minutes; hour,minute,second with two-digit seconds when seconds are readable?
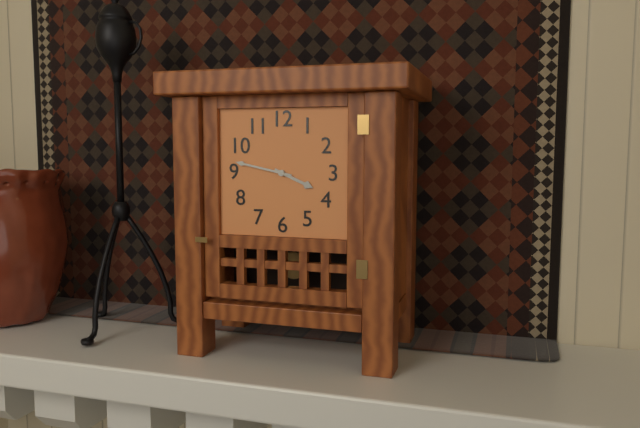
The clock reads 3,47
